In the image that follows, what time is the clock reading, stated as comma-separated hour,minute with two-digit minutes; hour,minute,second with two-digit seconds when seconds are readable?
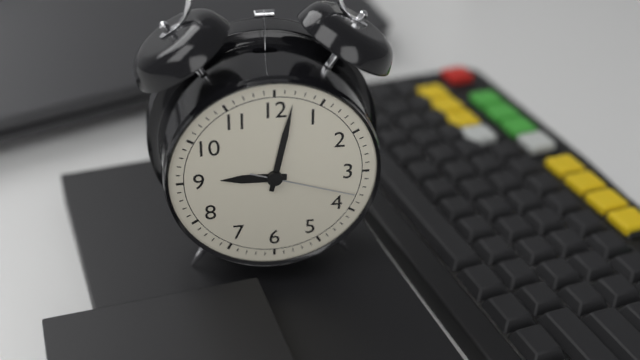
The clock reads 9,02,18
